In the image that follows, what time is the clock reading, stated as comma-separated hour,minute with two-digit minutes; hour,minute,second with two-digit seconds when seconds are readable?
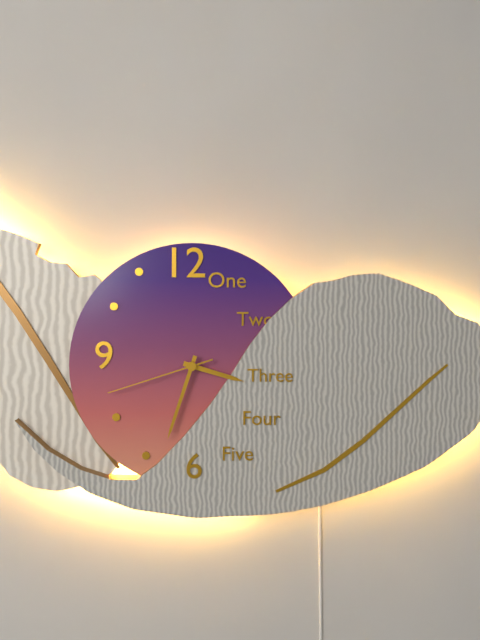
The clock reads 3,33,42
